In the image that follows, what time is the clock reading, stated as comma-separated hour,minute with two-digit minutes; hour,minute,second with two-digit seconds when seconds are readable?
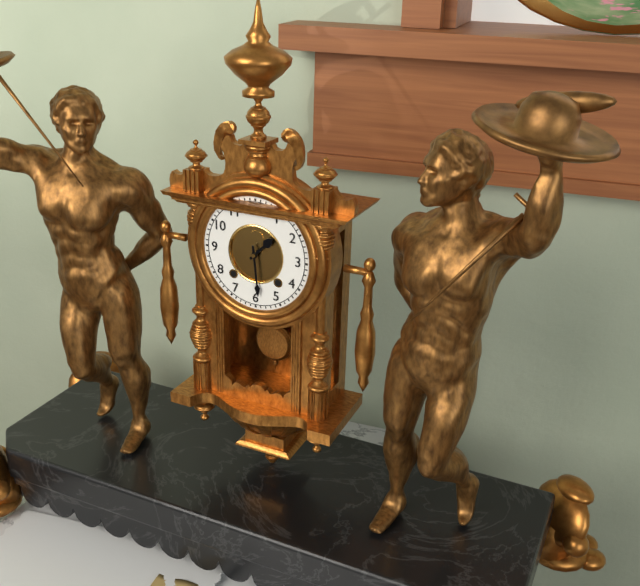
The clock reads 1,29
